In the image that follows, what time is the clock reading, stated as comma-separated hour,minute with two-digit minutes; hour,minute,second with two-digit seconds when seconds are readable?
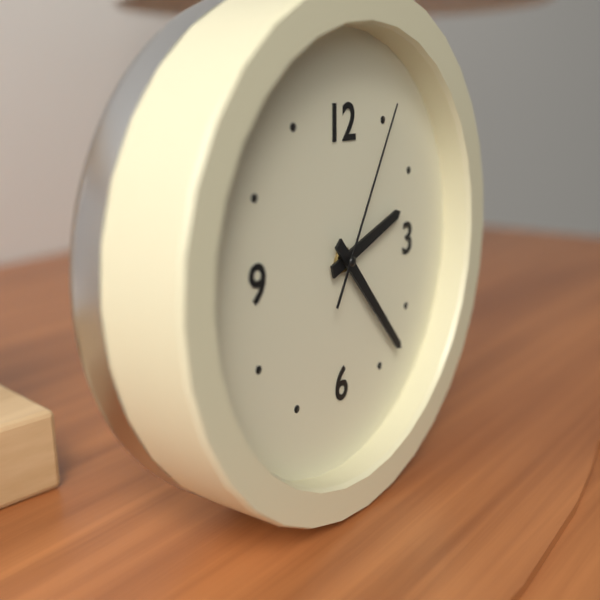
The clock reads 2,23,05
